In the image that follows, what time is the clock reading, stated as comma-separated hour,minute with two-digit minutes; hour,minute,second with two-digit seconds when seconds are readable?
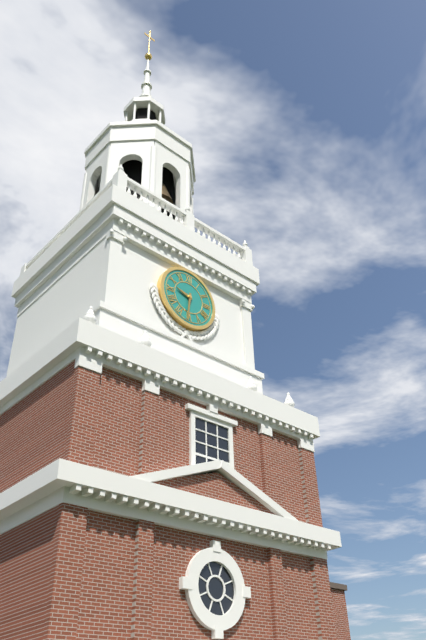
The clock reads 9,31
